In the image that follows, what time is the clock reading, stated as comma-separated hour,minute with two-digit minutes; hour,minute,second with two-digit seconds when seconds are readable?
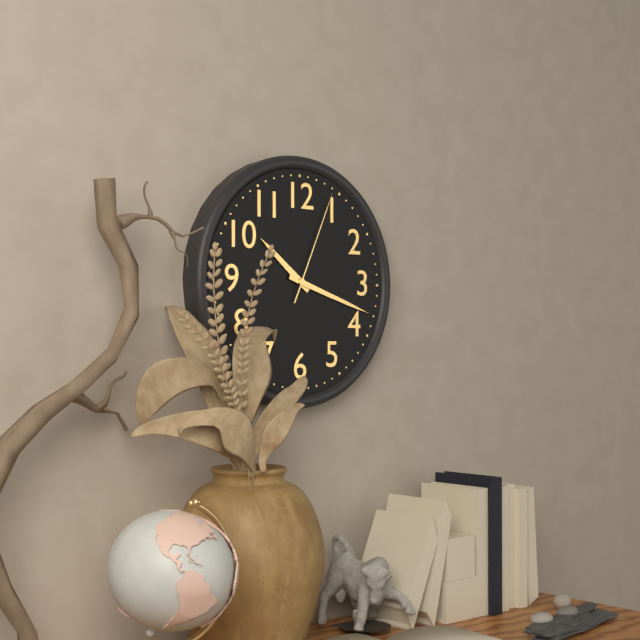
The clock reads 10,18,04
